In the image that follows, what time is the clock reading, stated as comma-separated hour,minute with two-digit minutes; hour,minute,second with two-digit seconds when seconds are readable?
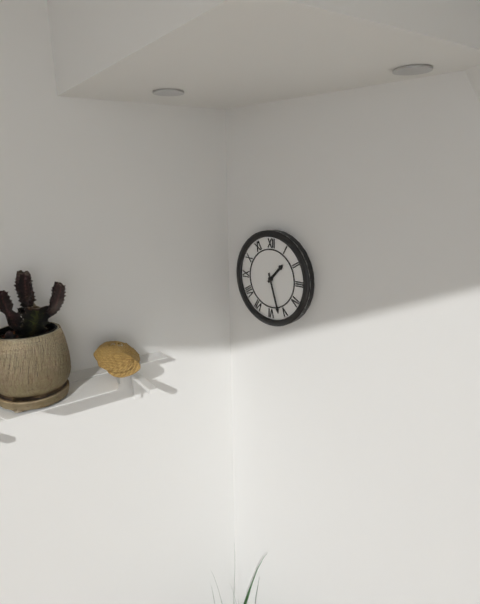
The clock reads 1,27
